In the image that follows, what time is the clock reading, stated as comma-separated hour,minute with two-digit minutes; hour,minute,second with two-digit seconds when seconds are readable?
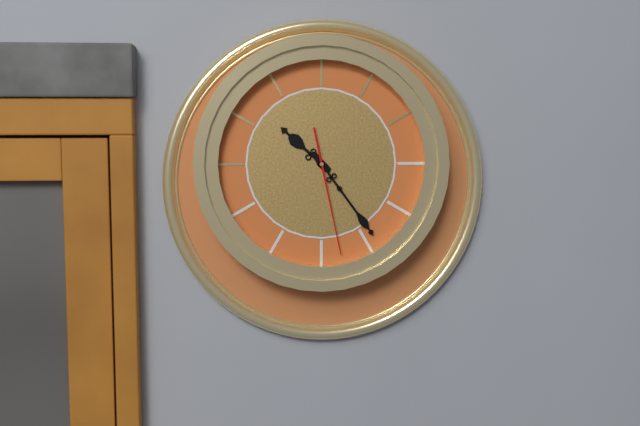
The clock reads 10,24,28
